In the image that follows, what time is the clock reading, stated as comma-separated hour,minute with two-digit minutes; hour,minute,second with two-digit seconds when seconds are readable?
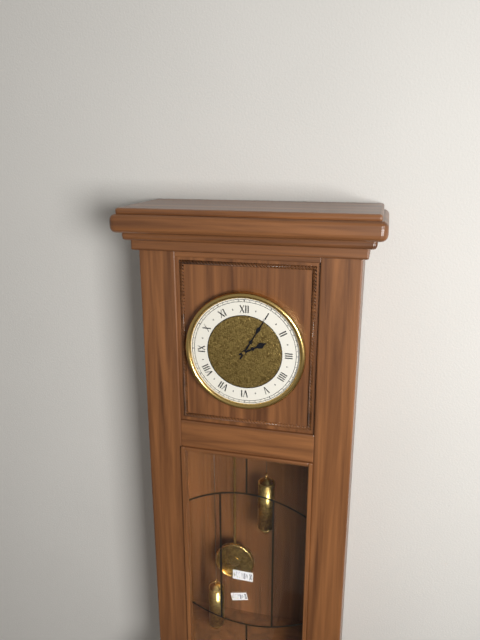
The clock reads 2,05
